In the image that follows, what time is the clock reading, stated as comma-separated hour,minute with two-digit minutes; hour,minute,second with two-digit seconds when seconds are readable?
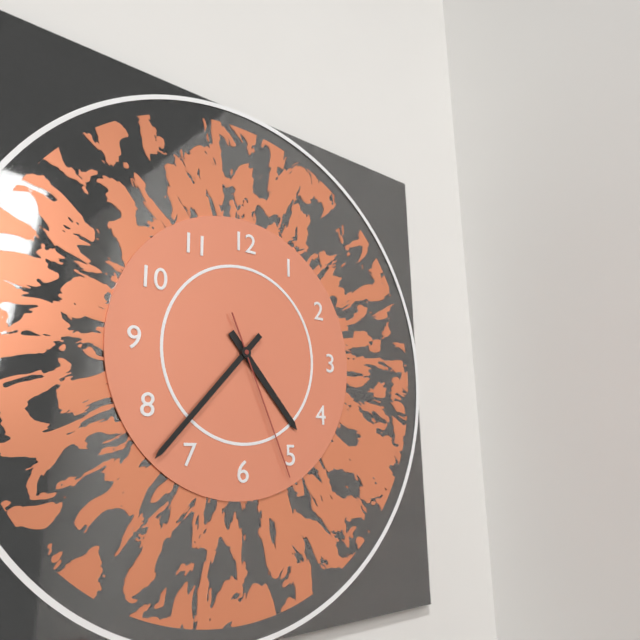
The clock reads 4,37,26
